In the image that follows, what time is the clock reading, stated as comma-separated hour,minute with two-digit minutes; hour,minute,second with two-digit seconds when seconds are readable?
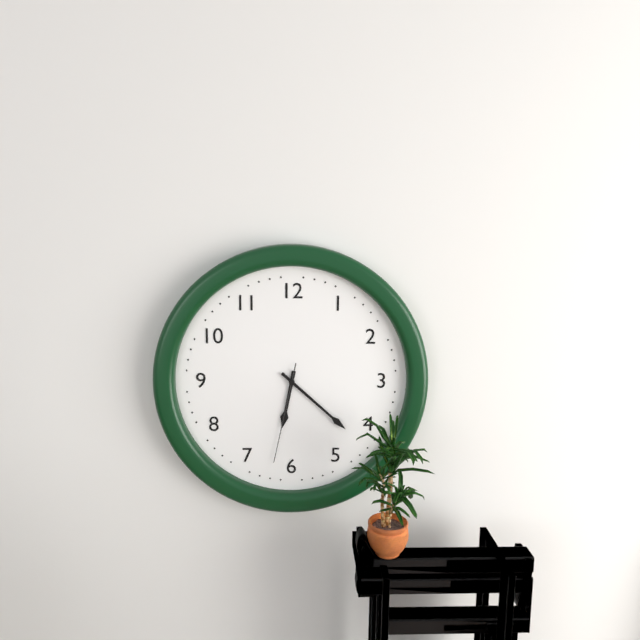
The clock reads 6,22,32
